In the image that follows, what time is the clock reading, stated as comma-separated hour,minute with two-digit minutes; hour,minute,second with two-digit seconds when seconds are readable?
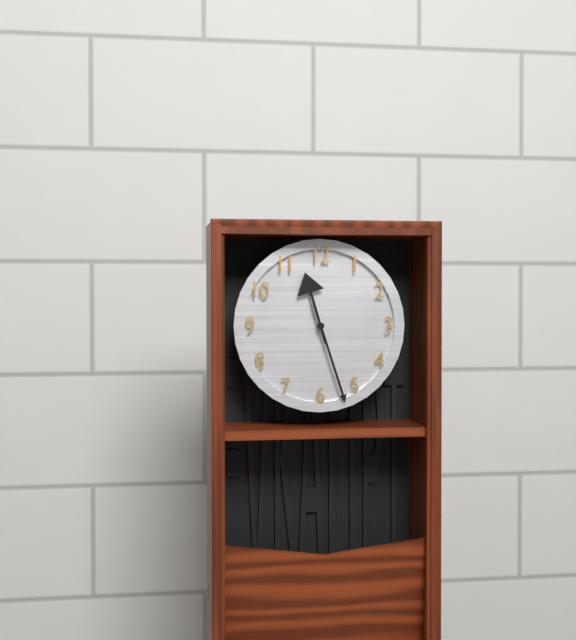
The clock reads 11,27
